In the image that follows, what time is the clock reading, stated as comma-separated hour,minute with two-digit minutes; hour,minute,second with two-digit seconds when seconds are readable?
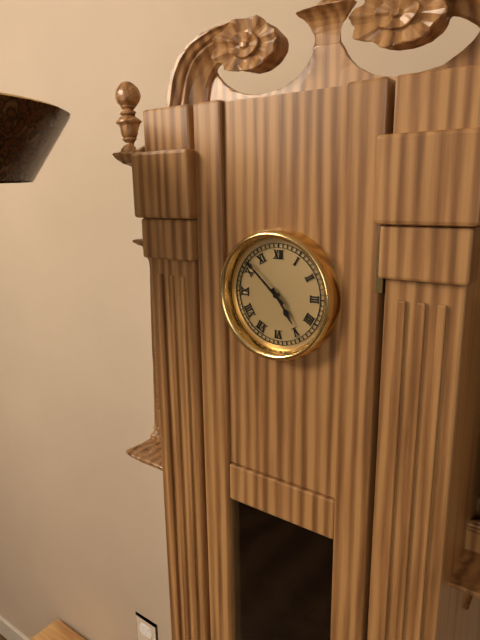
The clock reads 4,52
